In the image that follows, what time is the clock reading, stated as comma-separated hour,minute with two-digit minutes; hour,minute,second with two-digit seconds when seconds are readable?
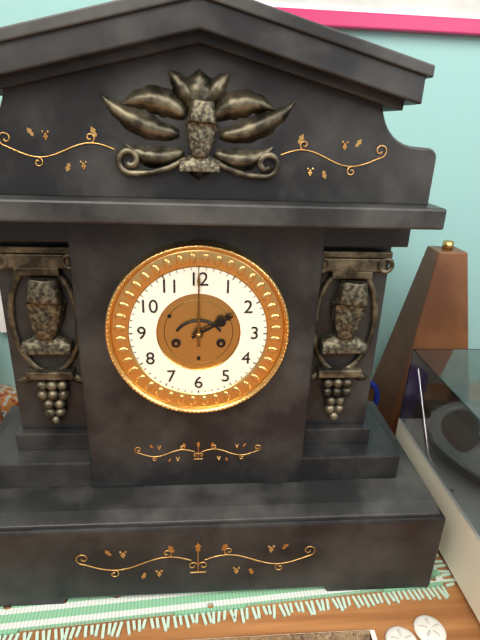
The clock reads 2,00
